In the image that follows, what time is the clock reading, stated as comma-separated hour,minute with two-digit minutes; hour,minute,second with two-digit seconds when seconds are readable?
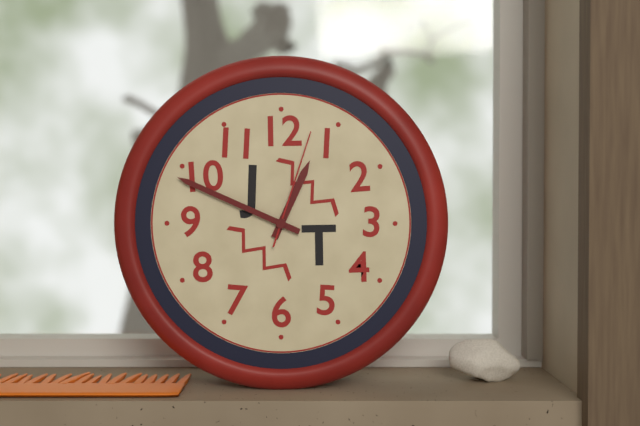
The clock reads 12,49,03
